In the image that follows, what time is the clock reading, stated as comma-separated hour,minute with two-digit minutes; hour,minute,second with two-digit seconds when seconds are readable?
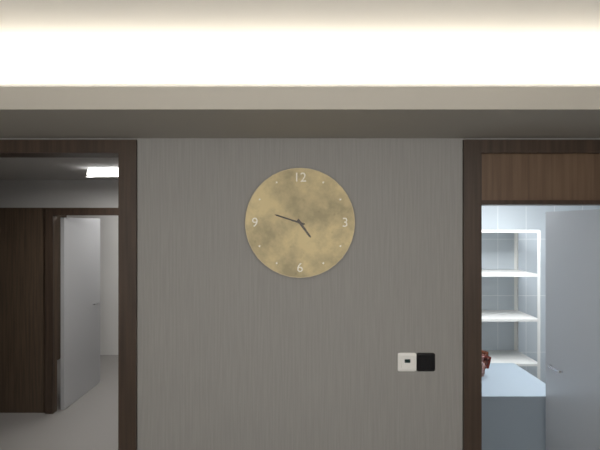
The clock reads 4,48
